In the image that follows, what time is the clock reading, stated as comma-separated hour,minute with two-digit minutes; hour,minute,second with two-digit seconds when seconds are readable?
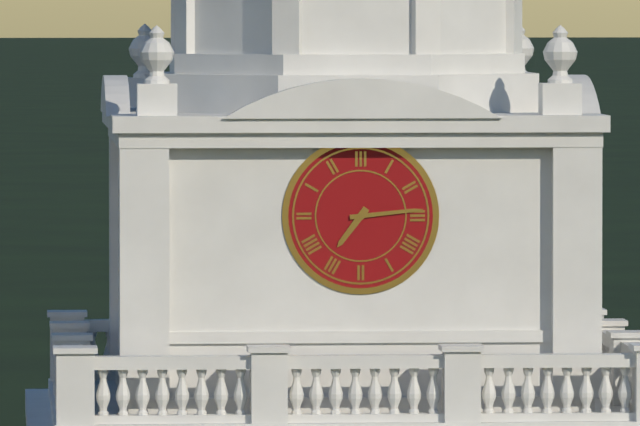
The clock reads 7,14
